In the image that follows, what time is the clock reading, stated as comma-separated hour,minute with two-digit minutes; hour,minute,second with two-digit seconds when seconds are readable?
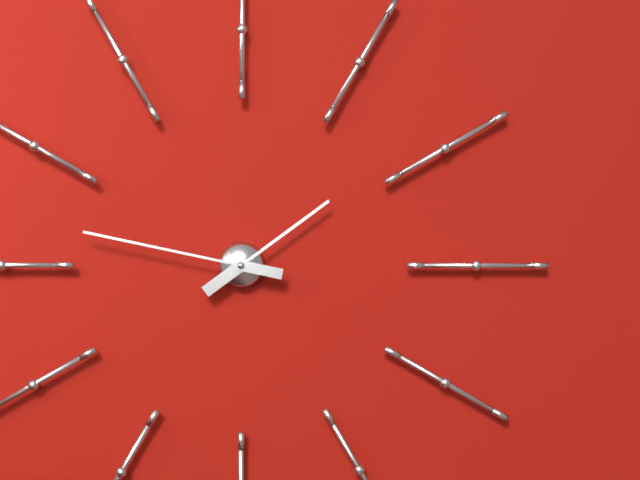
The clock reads 1,47
